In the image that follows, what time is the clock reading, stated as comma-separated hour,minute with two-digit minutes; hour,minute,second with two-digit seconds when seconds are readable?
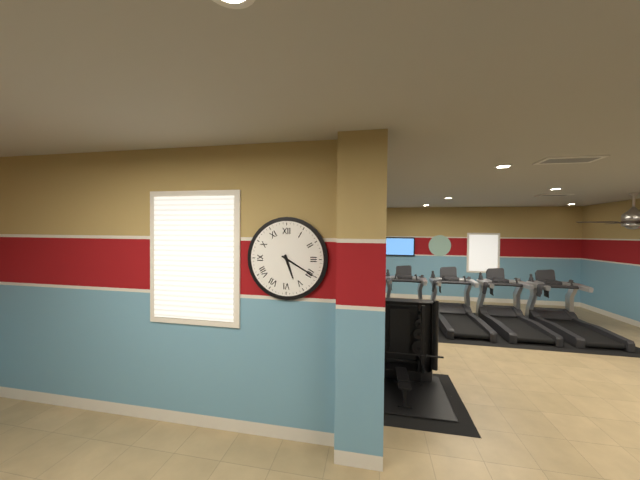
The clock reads 5,20
